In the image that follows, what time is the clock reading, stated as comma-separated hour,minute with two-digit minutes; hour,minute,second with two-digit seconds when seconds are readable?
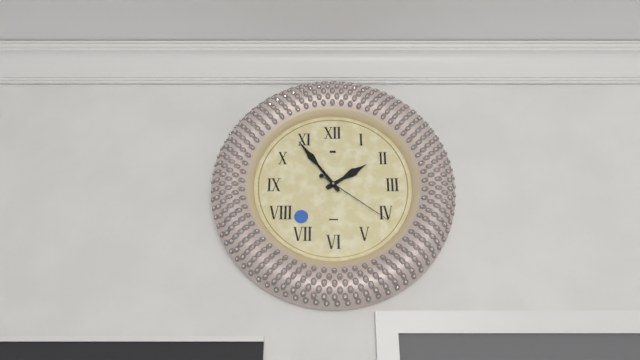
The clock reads 1,54,21
